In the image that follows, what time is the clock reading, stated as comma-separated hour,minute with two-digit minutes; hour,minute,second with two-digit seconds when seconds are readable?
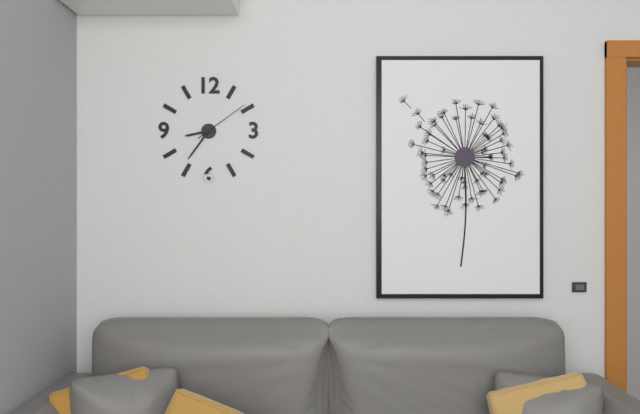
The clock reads 8,36,09
